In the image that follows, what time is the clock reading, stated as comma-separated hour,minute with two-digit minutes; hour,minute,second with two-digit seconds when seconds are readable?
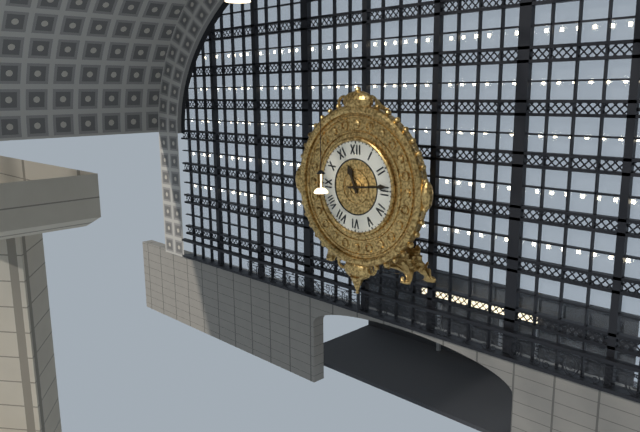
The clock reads 11,14
